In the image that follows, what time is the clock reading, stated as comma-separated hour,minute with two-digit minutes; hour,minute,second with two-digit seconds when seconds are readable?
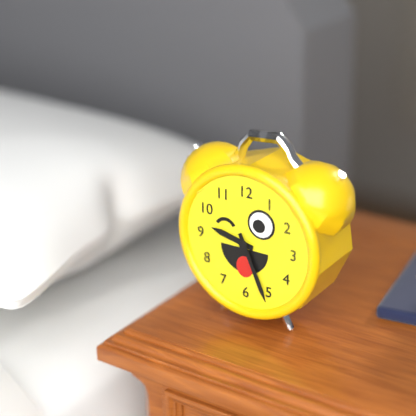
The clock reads 9,26
